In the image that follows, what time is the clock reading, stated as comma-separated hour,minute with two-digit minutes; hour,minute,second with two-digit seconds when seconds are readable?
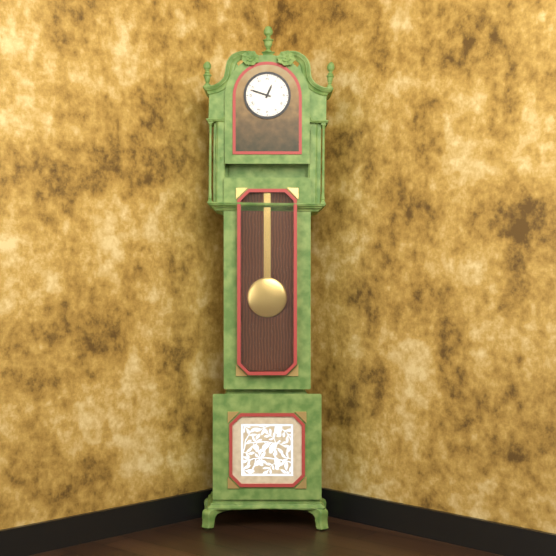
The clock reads 12,48
